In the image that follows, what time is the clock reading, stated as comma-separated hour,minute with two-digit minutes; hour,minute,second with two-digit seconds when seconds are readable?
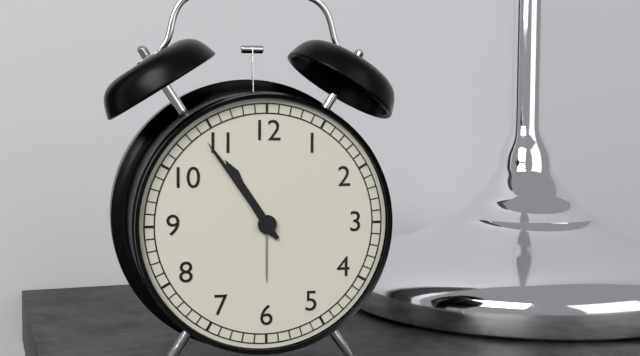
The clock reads 10,54
